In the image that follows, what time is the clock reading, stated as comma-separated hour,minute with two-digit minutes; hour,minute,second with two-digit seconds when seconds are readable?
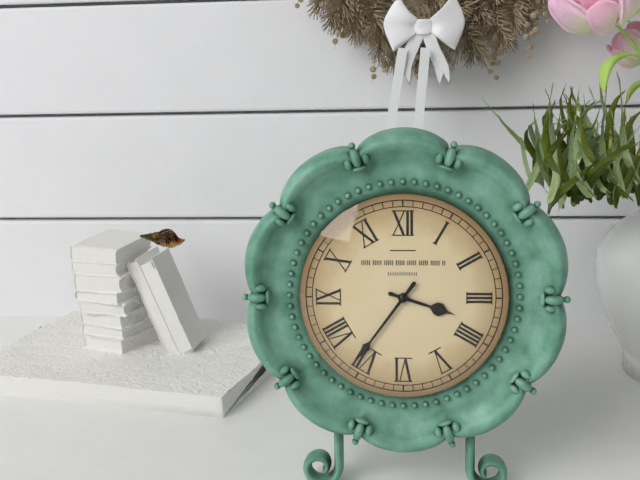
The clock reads 3,36
